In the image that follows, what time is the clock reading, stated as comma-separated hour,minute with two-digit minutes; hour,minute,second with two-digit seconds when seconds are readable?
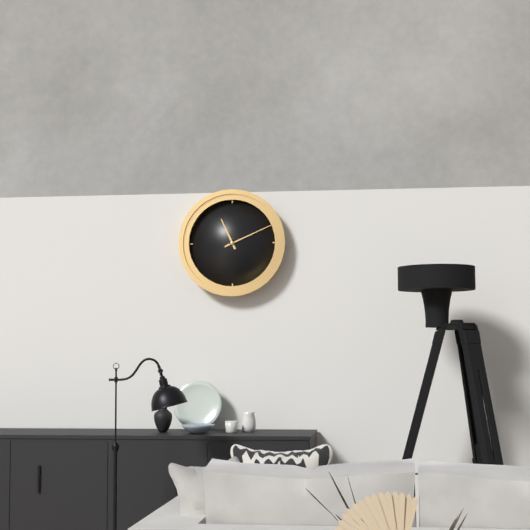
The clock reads 11,11
